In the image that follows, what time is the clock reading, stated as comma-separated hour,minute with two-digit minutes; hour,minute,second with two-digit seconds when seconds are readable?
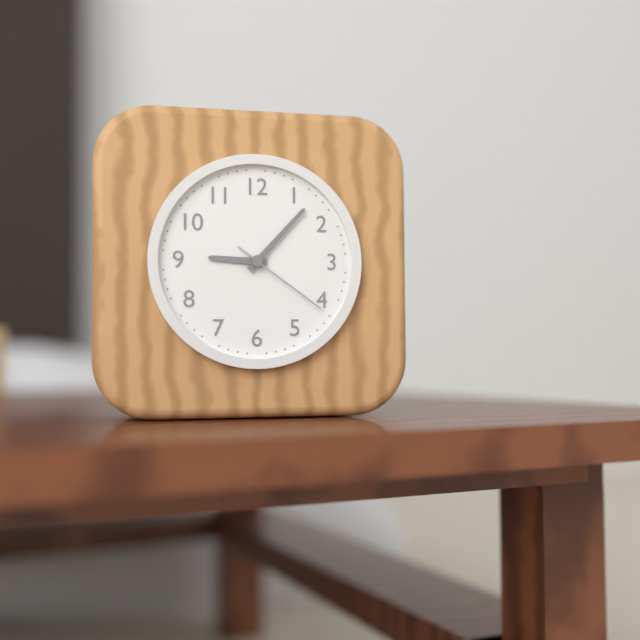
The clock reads 9,07,21
